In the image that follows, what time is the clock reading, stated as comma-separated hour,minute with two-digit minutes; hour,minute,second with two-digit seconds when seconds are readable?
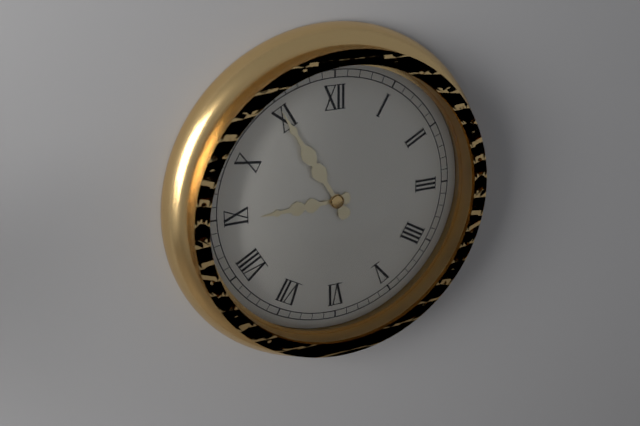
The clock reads 8,55
